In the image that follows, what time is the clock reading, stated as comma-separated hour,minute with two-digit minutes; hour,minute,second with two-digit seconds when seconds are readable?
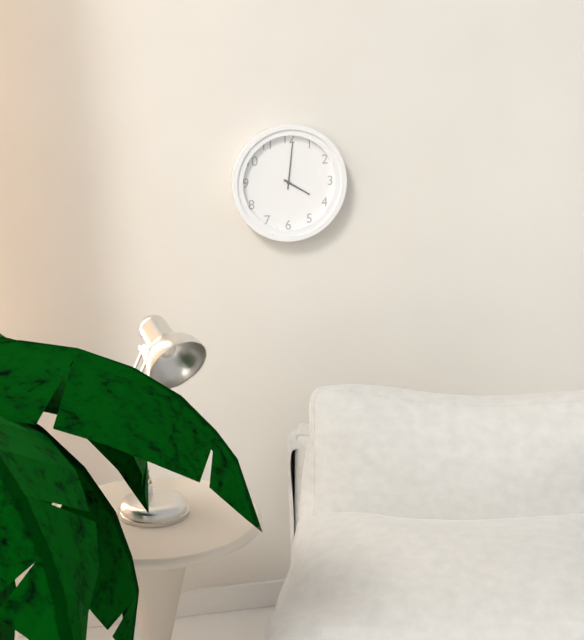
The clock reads 4,01
